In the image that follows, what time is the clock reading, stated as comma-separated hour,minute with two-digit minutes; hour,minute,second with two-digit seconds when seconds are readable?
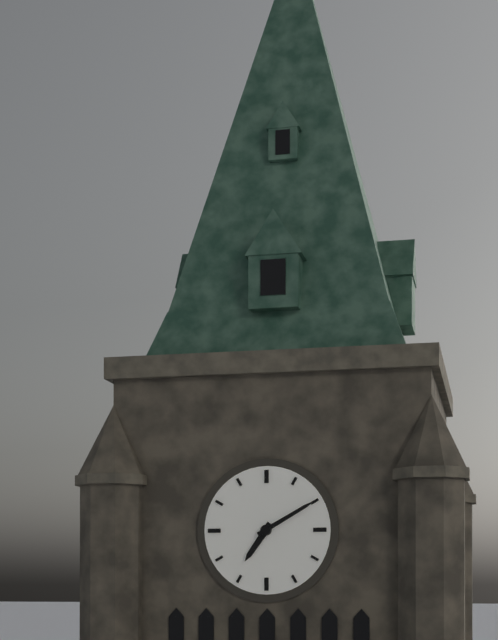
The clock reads 7,10
